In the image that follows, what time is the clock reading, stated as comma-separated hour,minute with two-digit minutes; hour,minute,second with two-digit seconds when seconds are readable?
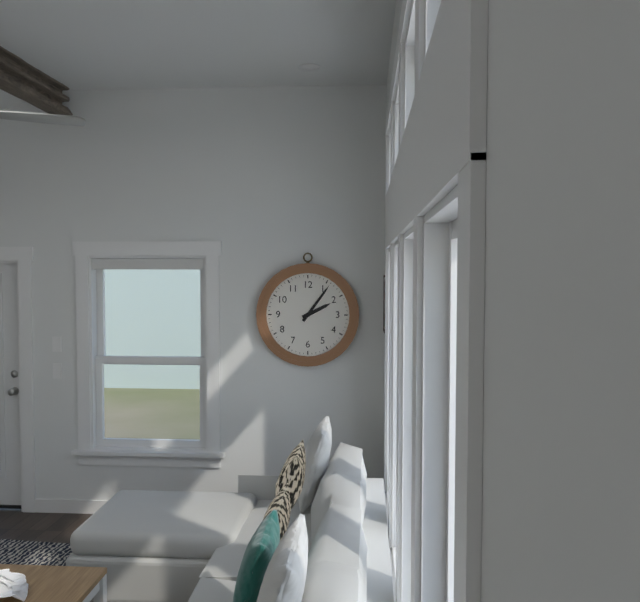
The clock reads 2,06
